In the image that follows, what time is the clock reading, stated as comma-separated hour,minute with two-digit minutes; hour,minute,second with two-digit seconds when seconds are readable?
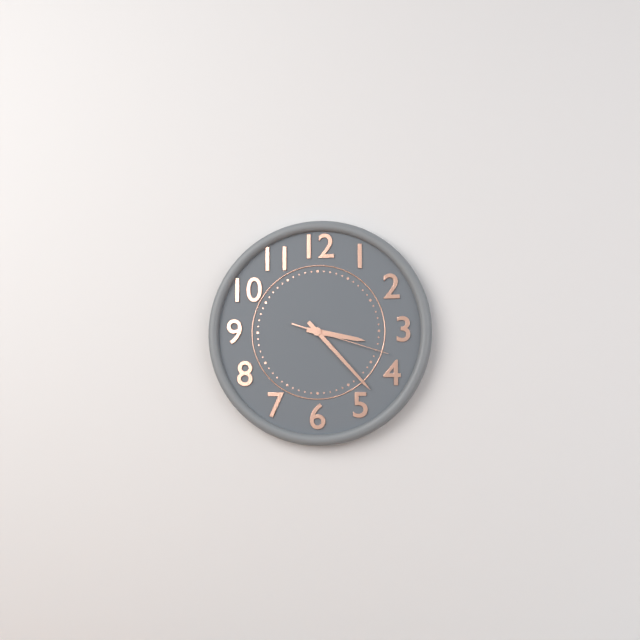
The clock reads 3,23,18
